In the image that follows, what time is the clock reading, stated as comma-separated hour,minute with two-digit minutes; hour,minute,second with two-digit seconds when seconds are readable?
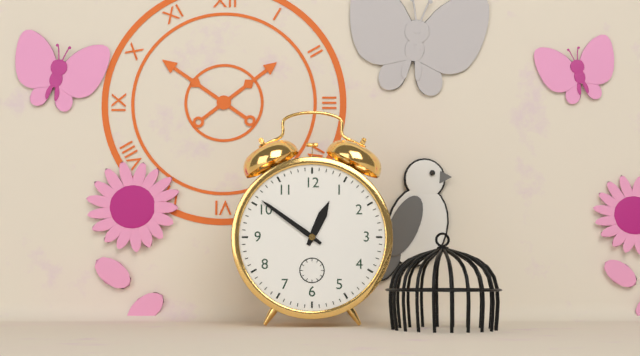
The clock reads 12,51
